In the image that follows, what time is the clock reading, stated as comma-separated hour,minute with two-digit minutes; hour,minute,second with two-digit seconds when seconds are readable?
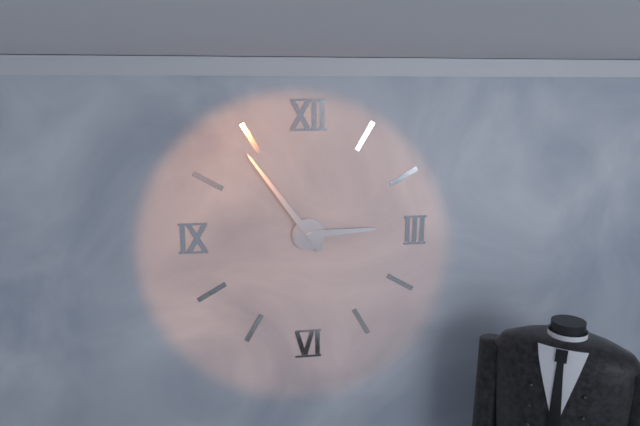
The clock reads 2,54
